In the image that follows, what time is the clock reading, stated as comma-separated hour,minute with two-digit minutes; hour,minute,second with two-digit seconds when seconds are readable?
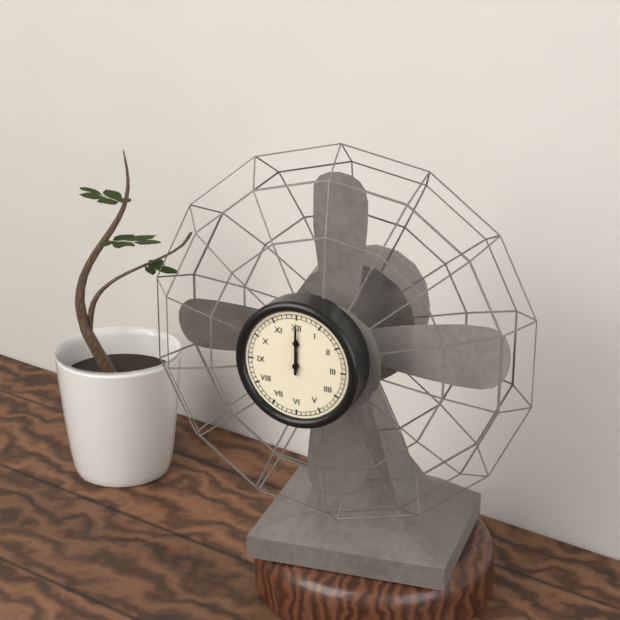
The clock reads 12,00
